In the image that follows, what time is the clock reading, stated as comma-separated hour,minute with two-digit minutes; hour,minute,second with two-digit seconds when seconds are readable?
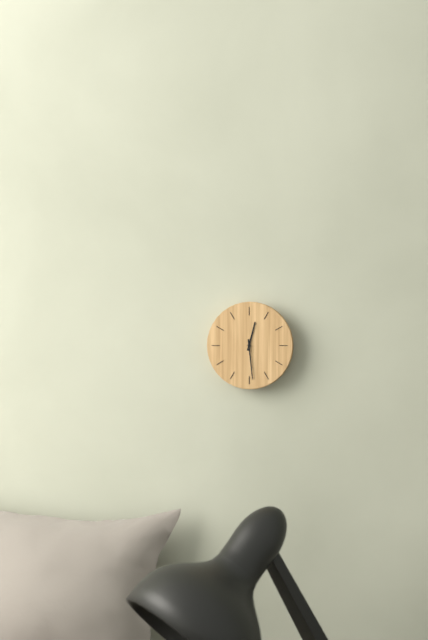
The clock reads 12,29
